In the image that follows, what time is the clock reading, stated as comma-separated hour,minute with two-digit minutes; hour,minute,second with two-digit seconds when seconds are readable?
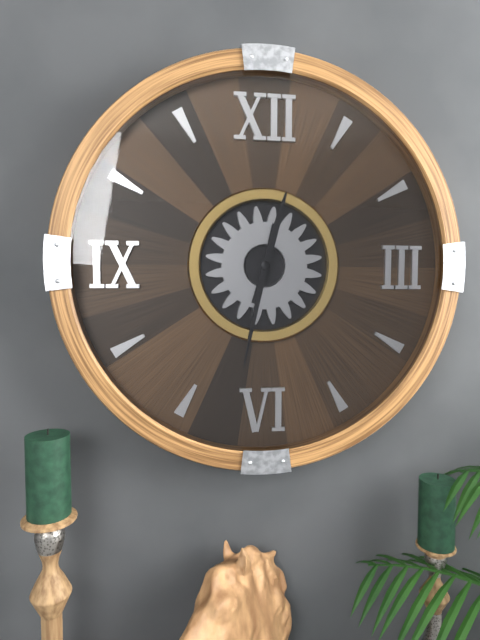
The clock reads 12,32
